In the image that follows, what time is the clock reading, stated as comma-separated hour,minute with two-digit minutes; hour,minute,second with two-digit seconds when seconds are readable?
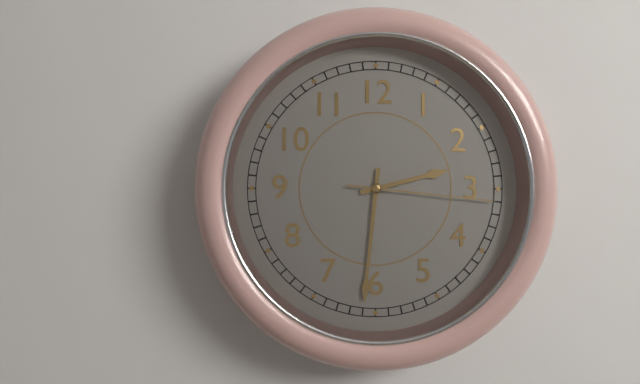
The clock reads 2,31,16
